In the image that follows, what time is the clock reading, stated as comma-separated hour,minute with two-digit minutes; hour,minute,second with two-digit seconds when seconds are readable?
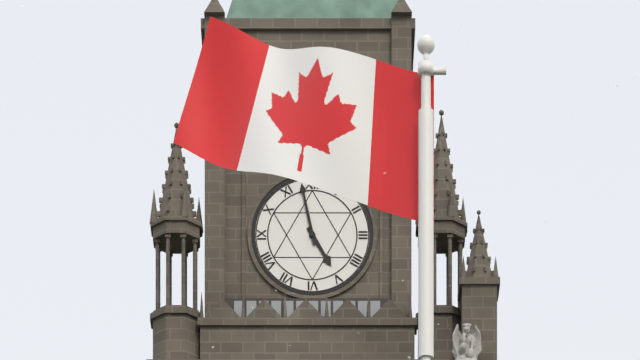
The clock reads 4,58
